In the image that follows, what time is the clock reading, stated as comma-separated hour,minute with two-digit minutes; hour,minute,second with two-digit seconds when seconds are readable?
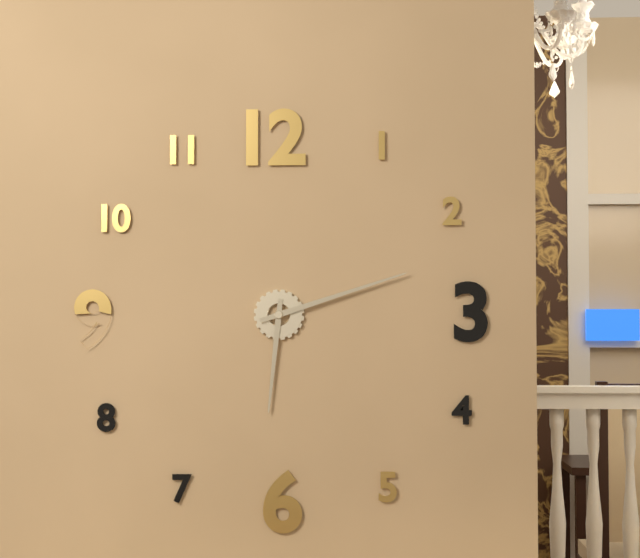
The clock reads 6,12
